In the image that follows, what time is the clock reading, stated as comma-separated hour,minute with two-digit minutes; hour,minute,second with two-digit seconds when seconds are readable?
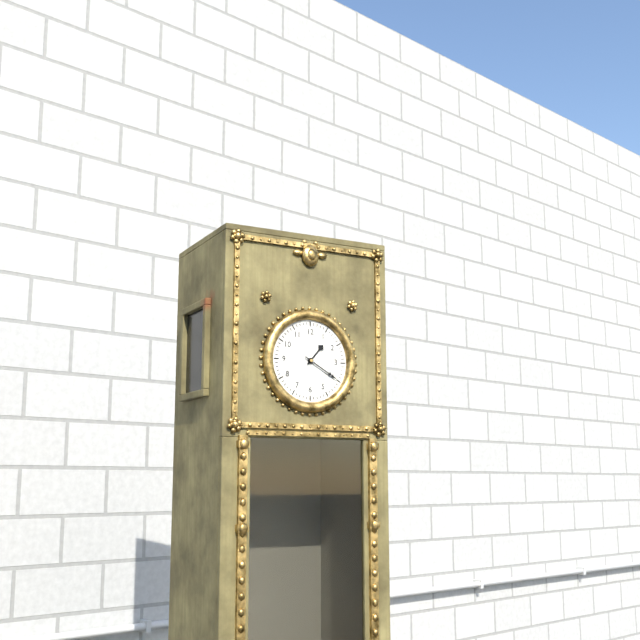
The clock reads 1,20
